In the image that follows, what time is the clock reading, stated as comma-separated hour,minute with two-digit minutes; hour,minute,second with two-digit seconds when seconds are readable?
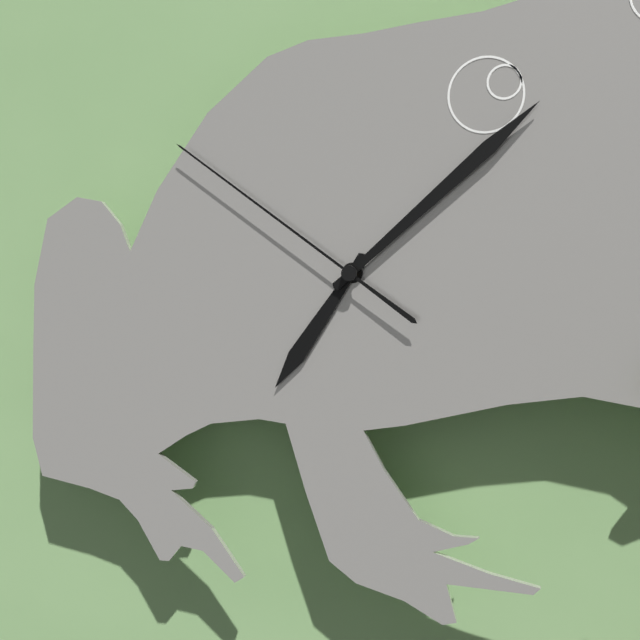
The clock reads 7,08,51
